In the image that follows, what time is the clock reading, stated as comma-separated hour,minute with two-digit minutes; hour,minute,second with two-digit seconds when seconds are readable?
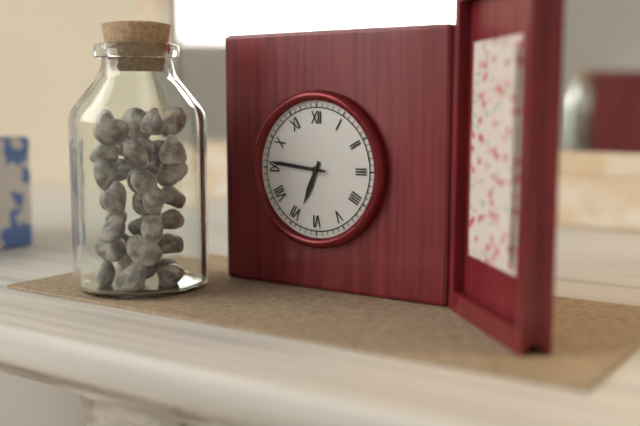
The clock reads 6,46
